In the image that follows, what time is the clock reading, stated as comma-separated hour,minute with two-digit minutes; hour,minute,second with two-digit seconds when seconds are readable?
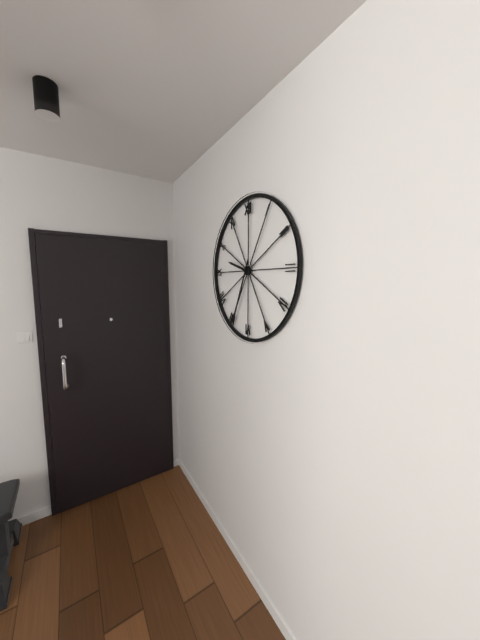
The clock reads 9,34
